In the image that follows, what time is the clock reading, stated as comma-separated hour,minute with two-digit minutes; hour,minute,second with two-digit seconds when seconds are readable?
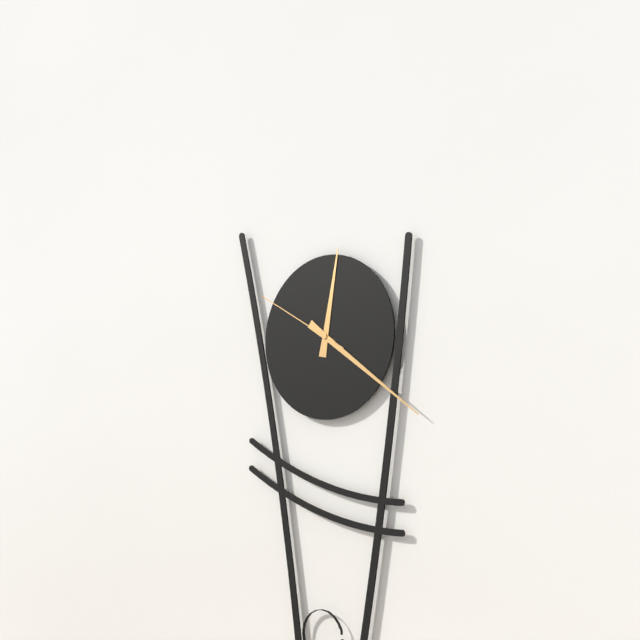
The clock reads 12,21,50
